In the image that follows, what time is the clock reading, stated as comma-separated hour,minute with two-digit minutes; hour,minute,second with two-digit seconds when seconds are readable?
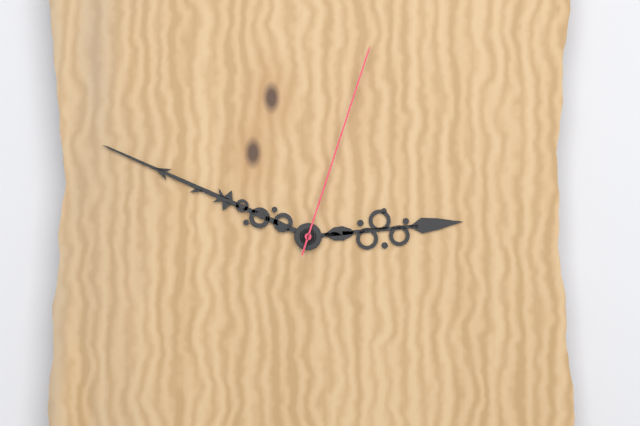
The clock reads 2,49,03
